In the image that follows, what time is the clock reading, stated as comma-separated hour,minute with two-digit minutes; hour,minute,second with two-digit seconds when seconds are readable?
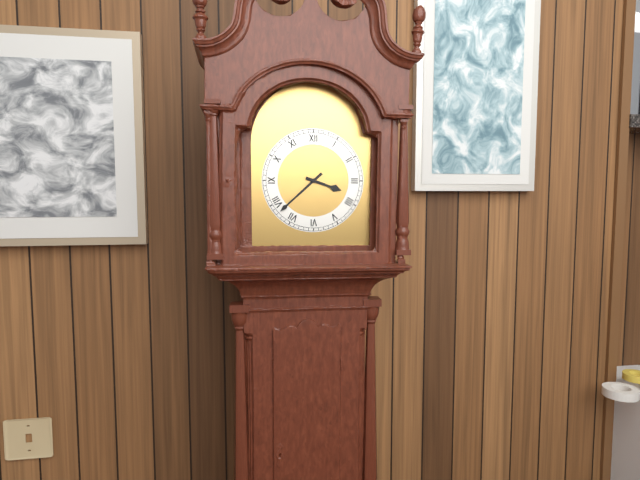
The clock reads 3,38
